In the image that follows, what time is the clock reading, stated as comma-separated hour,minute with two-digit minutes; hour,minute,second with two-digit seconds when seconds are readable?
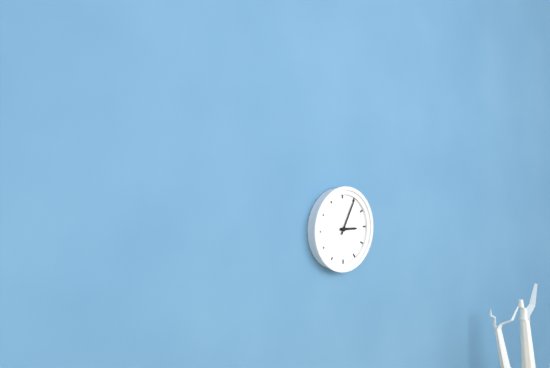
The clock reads 3,05
